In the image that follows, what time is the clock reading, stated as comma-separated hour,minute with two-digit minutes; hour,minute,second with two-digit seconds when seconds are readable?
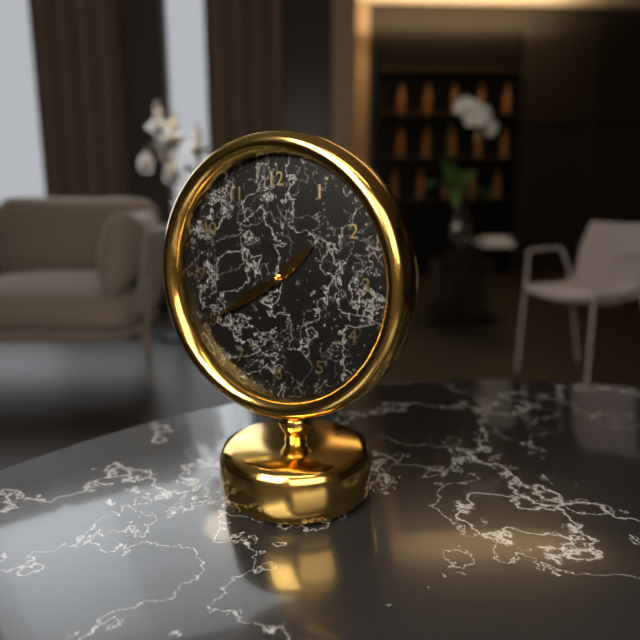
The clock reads 1,40,40
